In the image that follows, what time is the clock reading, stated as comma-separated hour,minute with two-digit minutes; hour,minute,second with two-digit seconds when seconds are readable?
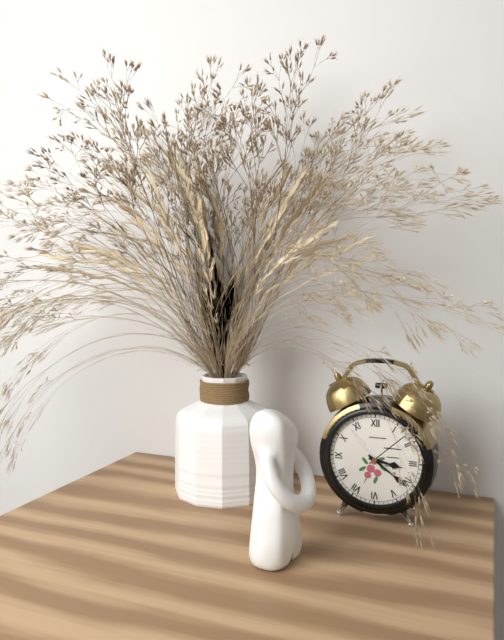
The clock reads 3,21
